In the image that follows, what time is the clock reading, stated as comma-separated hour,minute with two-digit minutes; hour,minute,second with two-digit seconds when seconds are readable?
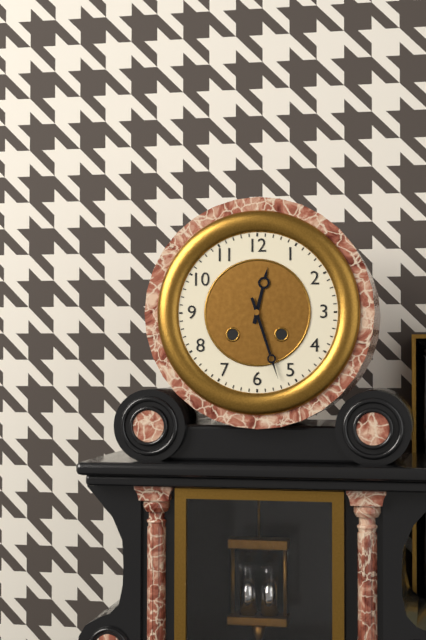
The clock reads 12,27
